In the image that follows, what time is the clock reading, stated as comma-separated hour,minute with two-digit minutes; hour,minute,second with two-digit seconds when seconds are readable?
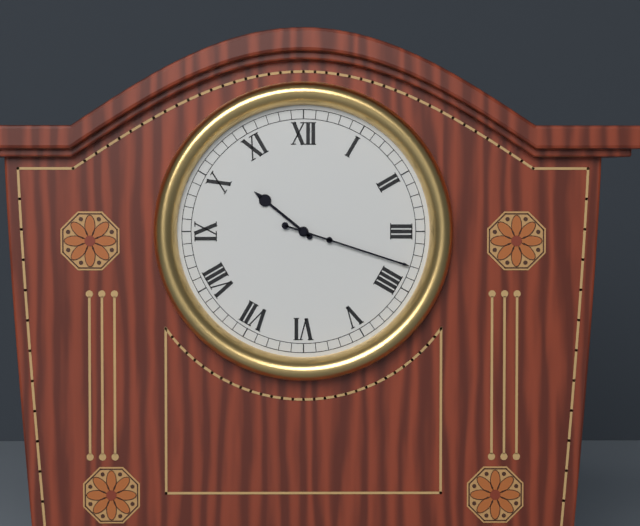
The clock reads 10,18
